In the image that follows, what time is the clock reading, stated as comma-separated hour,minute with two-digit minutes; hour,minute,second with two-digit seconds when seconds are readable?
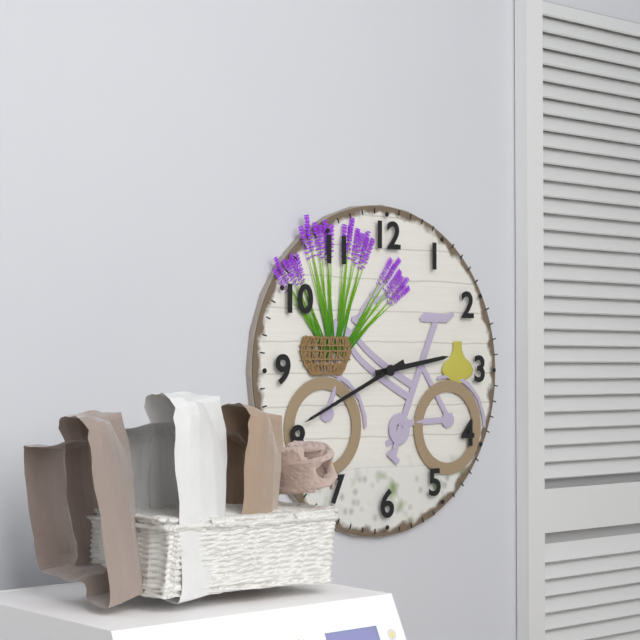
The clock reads 2,41
